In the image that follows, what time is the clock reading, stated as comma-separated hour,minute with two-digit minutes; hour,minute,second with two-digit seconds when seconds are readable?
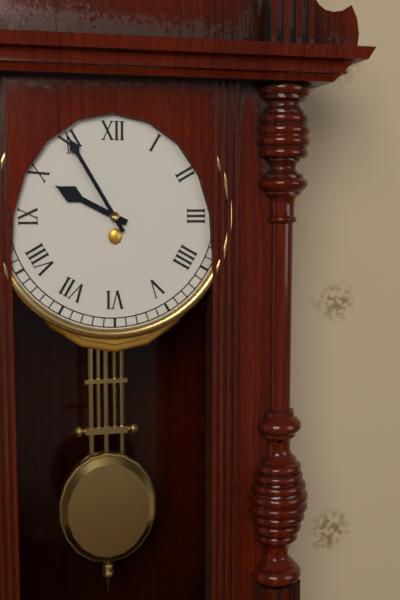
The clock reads 9,55
